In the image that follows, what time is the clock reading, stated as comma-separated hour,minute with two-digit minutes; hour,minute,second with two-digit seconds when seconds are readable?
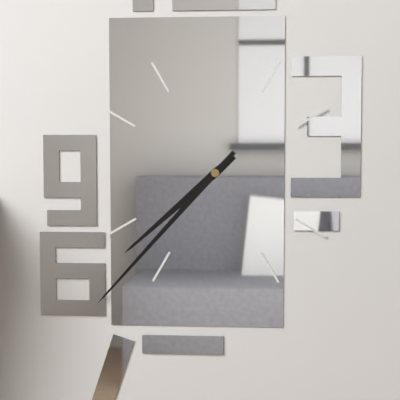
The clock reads 7,37
